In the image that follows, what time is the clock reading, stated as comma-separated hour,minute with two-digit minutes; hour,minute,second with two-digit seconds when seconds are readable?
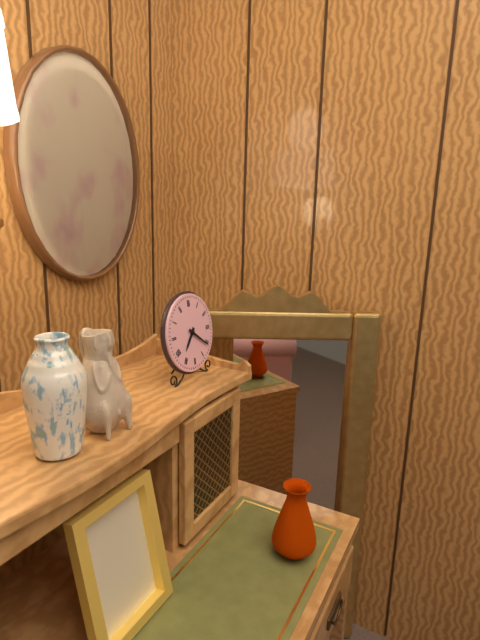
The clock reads 7,21
